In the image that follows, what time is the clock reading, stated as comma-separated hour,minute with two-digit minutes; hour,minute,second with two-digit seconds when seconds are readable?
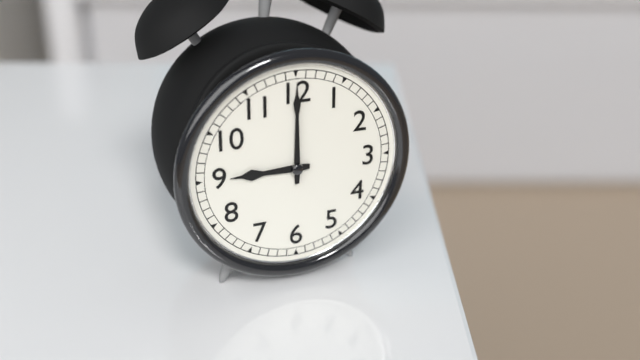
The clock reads 9,00
